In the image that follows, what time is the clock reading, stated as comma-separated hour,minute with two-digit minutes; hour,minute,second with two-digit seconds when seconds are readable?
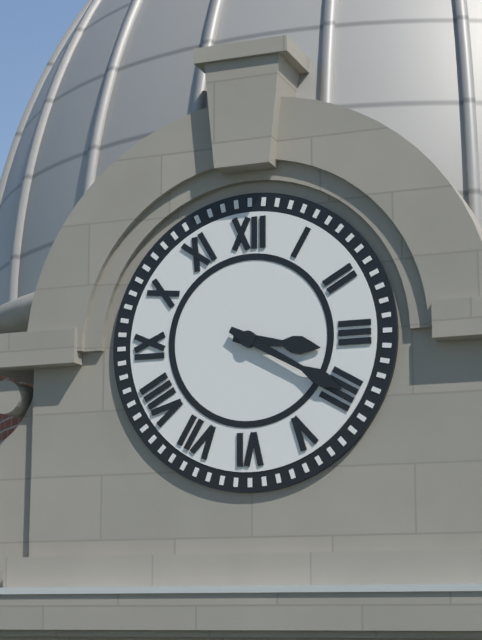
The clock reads 3,20
